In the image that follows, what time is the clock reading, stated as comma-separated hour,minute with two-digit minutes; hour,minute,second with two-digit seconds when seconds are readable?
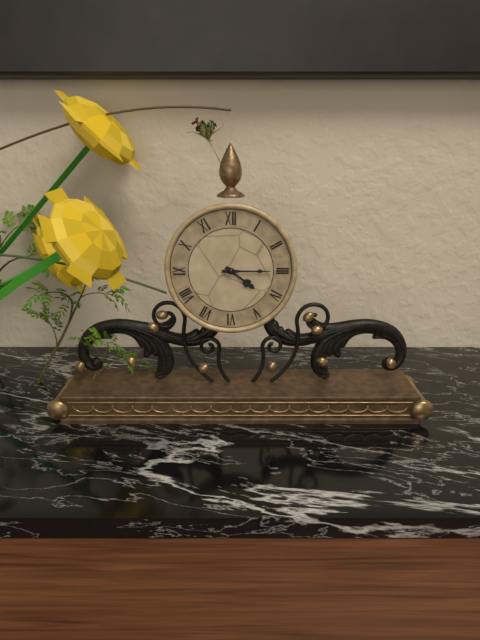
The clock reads 4,15
